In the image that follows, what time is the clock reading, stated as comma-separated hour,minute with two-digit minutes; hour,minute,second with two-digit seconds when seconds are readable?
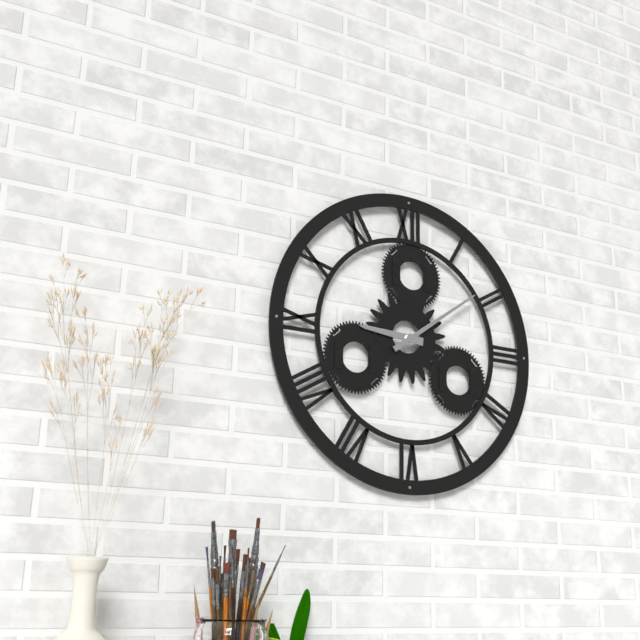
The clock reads 9,09
